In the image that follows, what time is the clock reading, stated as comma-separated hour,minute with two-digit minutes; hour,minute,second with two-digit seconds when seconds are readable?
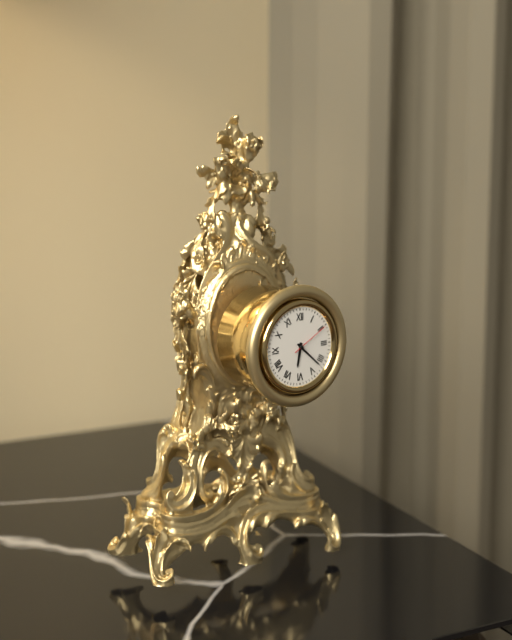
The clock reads 6,22
